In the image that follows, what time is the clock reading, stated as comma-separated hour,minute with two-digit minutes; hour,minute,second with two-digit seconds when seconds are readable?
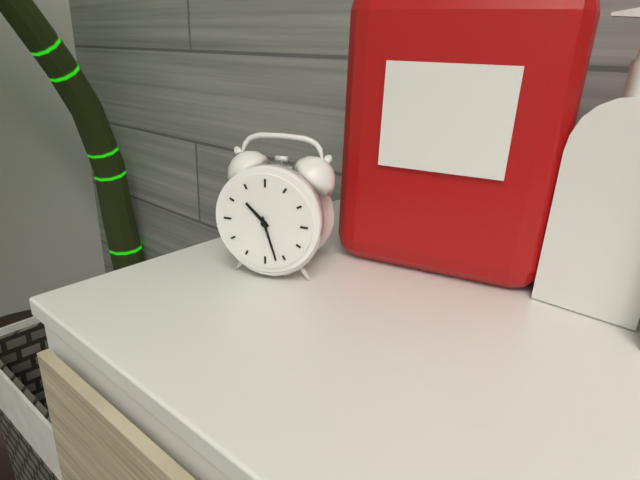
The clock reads 10,27
